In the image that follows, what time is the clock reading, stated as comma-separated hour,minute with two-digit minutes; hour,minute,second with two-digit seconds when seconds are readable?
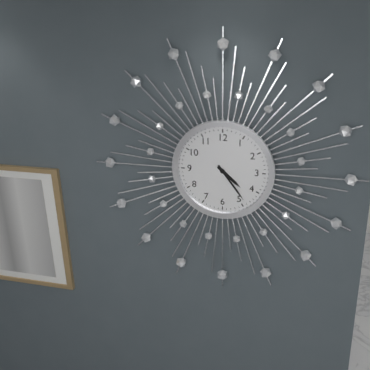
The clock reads 4,24
